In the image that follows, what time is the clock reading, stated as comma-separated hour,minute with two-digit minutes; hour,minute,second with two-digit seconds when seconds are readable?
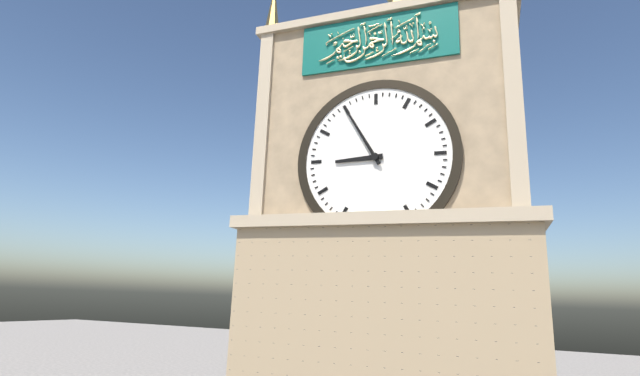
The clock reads 8,55
